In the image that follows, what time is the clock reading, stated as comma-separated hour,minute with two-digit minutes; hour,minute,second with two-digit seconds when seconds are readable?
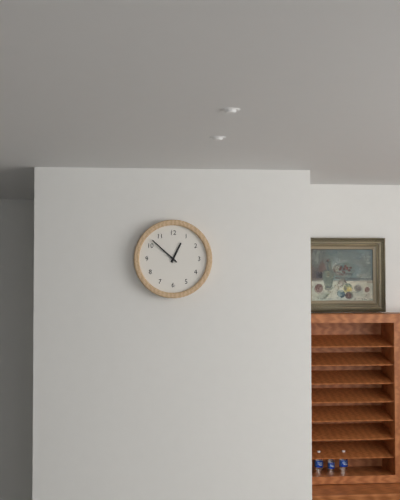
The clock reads 12,52
